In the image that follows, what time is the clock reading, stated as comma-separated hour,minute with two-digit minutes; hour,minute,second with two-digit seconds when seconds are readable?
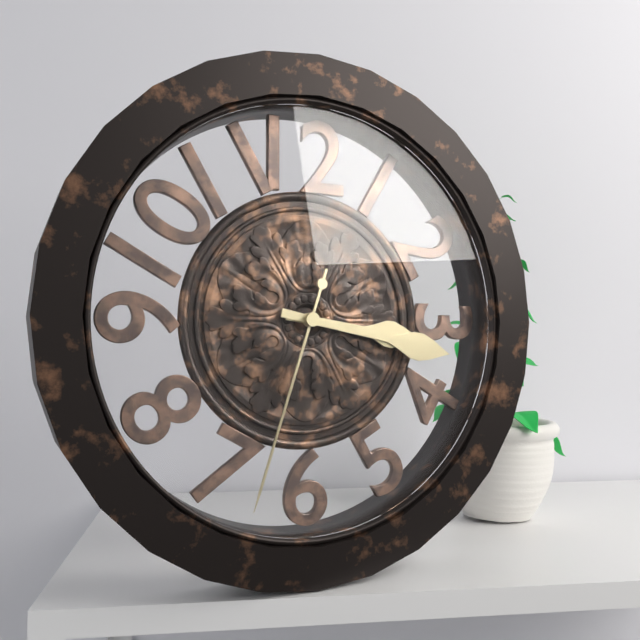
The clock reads 3,17,33
